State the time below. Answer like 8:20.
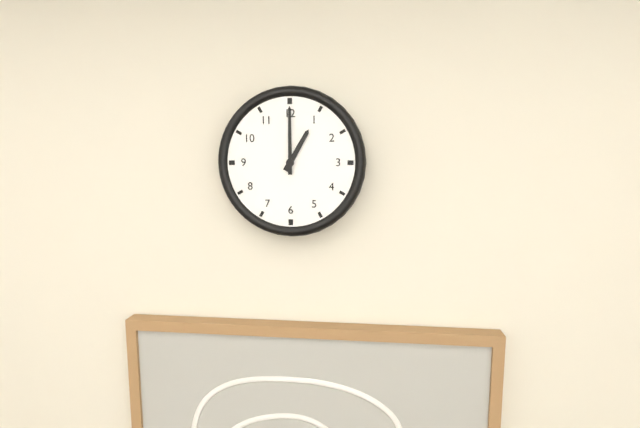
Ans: 1:00
